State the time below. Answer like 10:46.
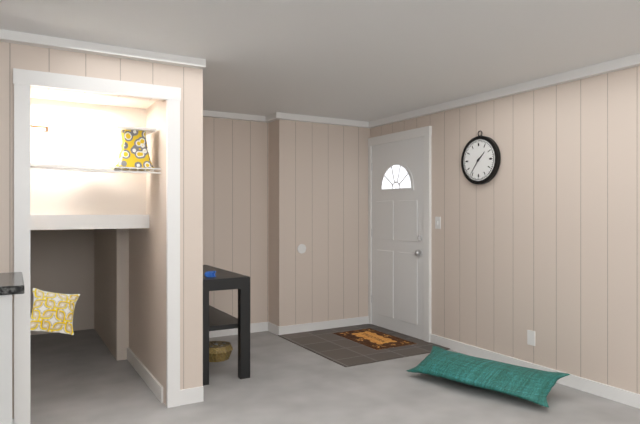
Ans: 1:36
